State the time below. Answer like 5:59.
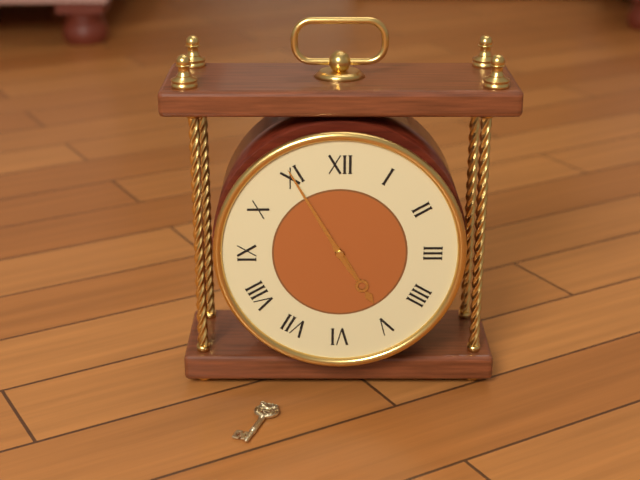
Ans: 4:55
